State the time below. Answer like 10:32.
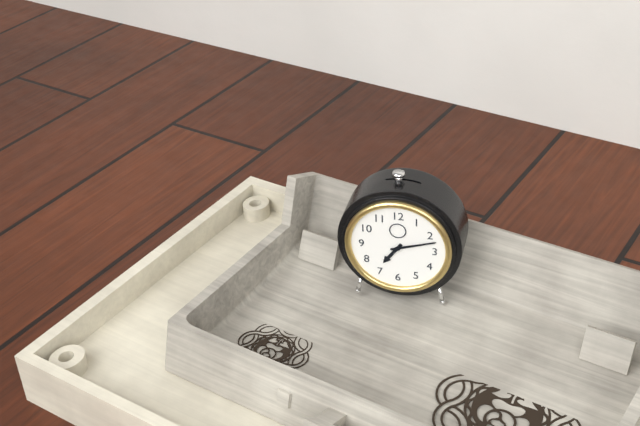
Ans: 7:12
